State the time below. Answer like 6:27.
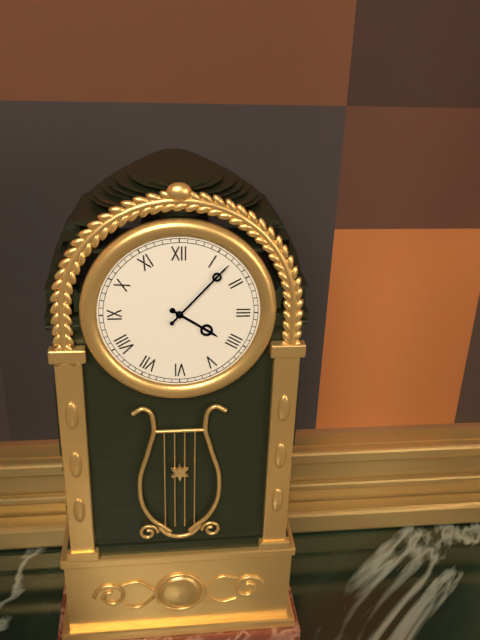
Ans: 4:07
